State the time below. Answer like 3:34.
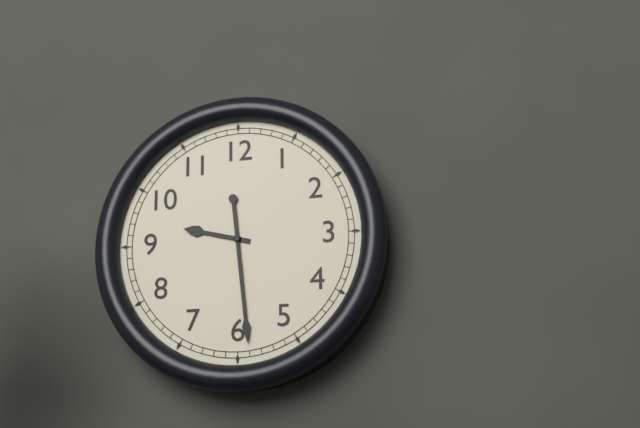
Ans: 9:29
